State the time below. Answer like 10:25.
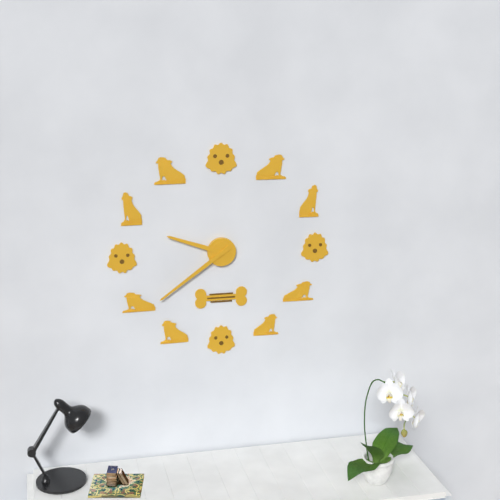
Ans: 9:39
